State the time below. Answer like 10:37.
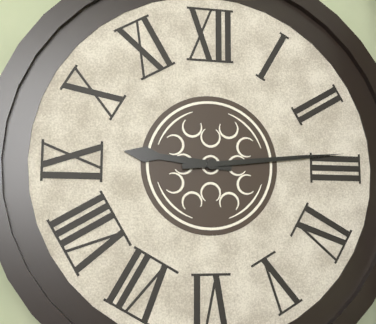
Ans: 9:14
